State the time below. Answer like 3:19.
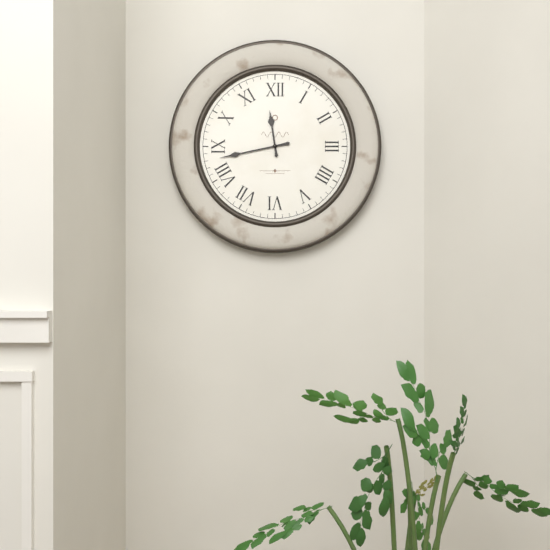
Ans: 11:43
